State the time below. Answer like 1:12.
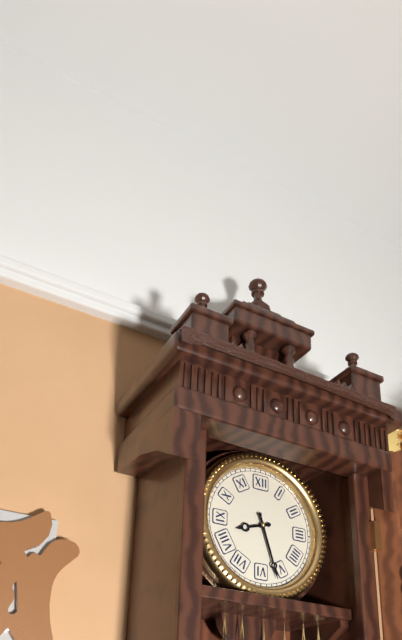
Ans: 8:27
